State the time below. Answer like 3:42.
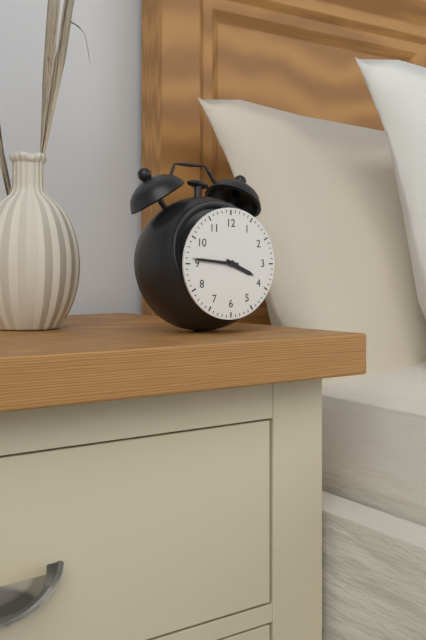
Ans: 3:46
